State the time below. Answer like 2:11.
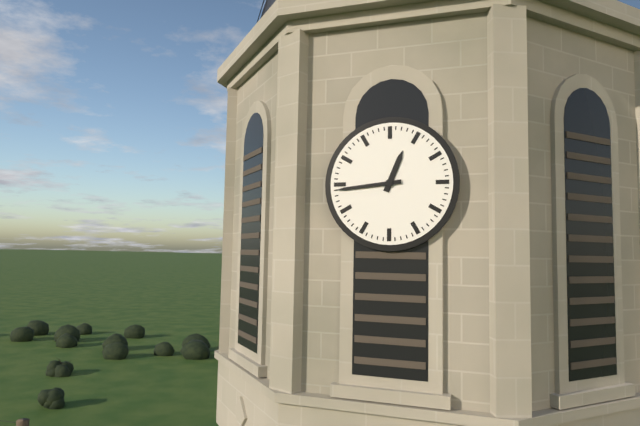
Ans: 12:44
